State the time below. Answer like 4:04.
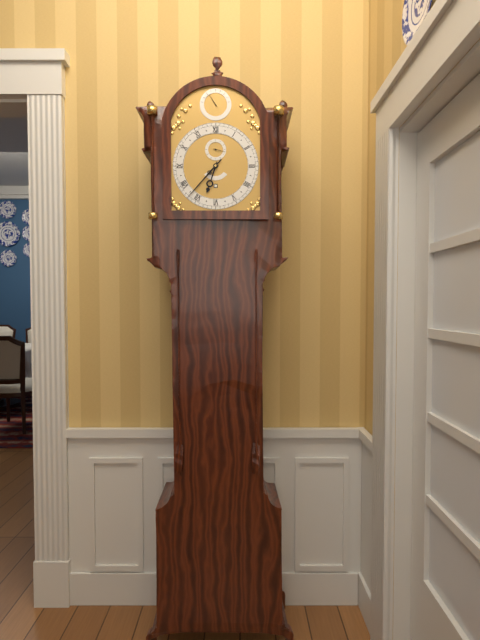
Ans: 6:37
